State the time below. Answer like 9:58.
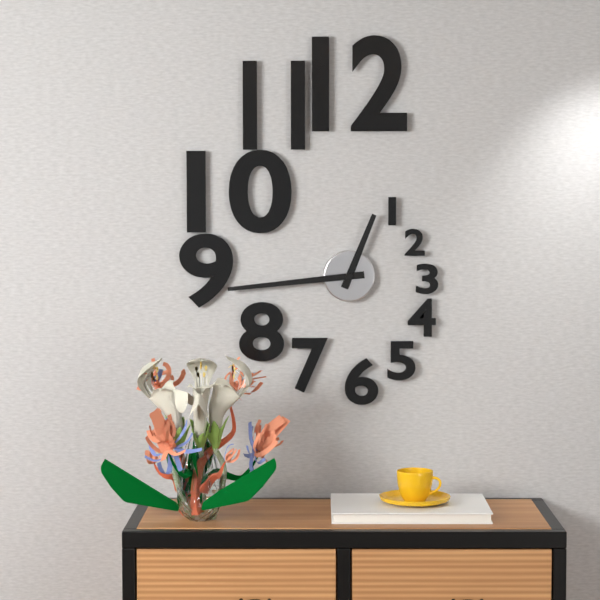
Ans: 12:44
